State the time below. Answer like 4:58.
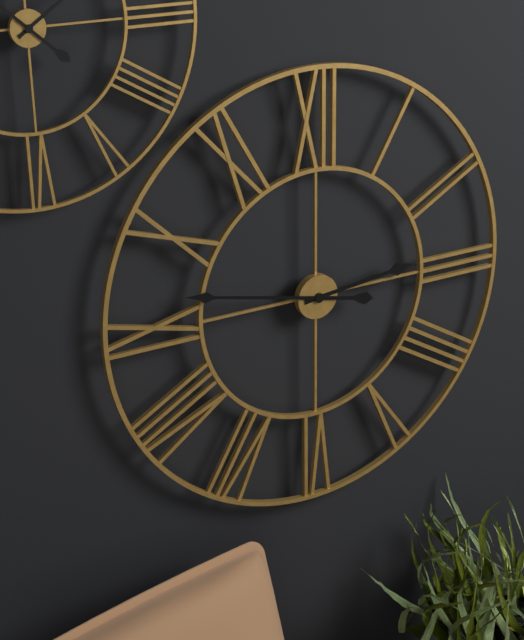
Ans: 2:47
